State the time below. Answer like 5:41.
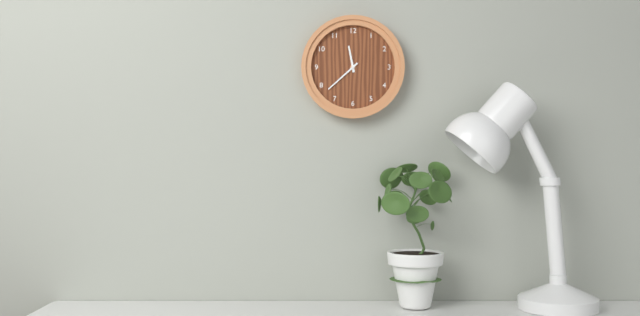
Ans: 11:38
